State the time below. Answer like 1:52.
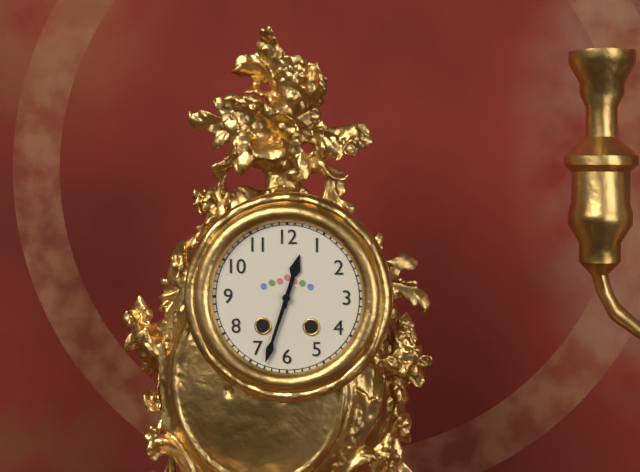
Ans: 12:33
